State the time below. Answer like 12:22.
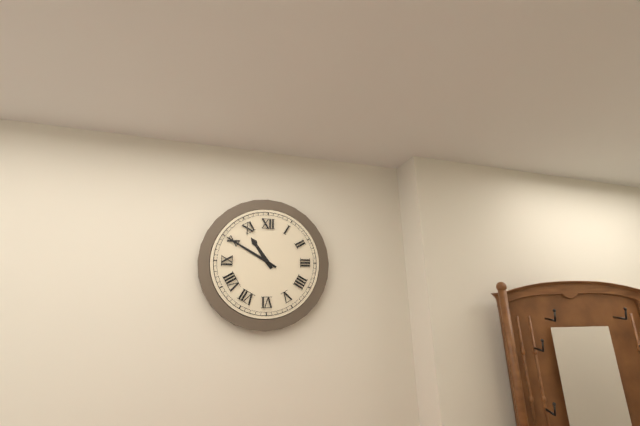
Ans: 10:50
